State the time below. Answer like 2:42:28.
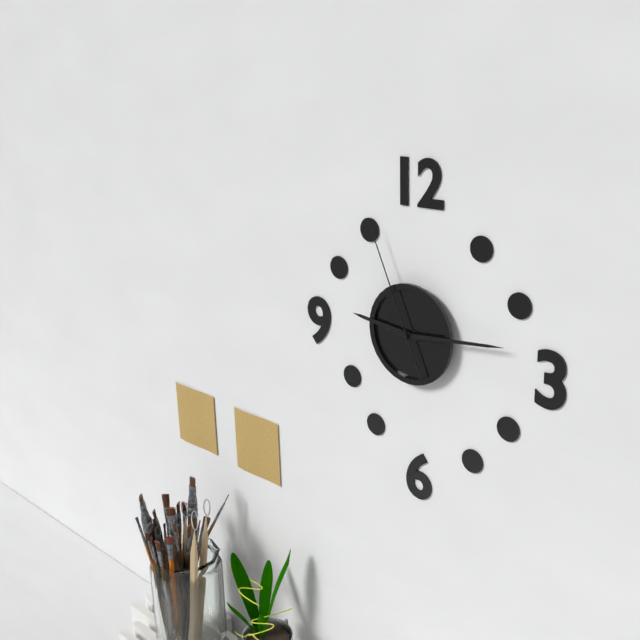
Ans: 9:14:56
